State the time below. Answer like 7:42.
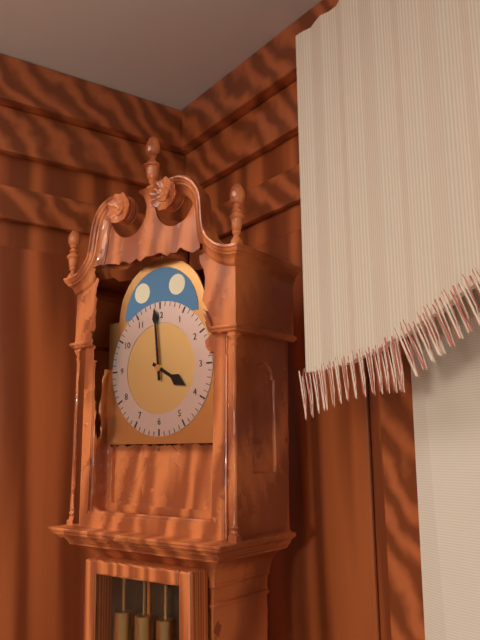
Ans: 3:59
